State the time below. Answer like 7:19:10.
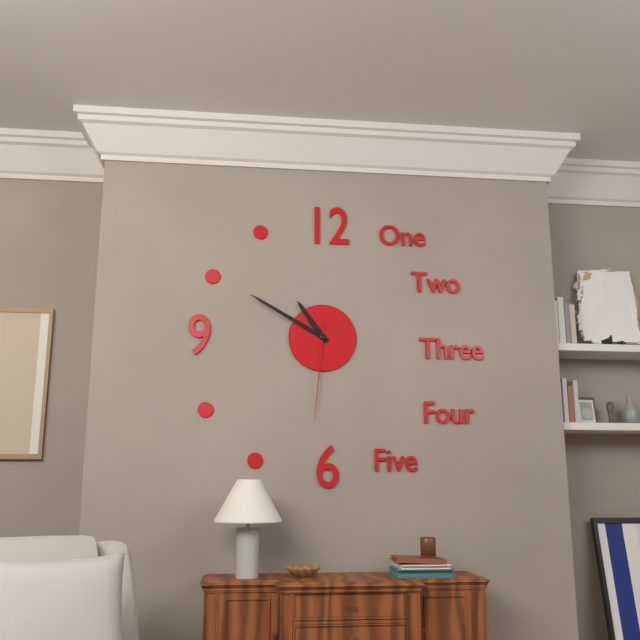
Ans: 10:50:31
